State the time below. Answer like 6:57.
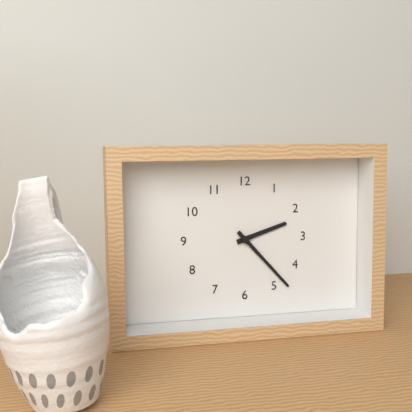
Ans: 2:23
